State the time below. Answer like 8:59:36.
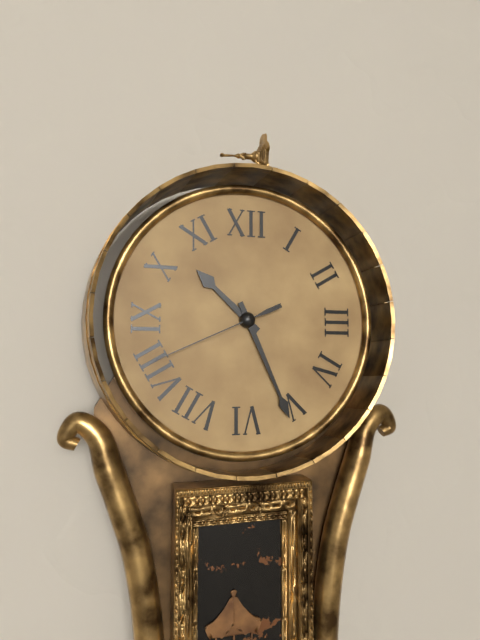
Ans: 10:26:41
